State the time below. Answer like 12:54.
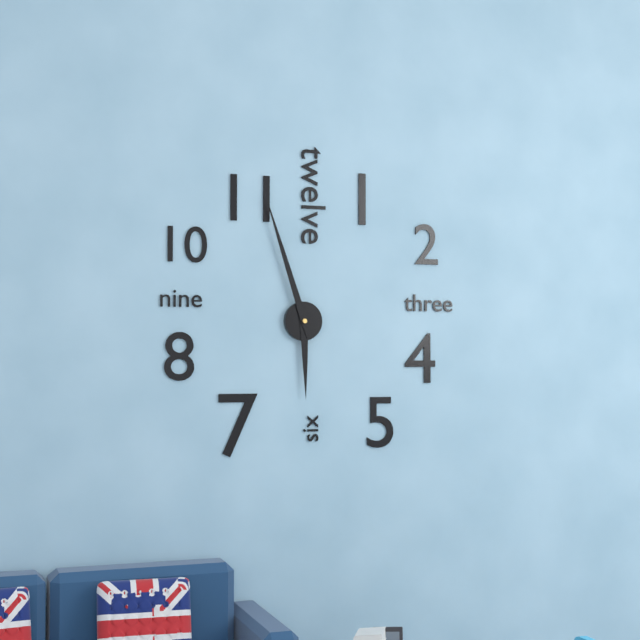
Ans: 5:57
